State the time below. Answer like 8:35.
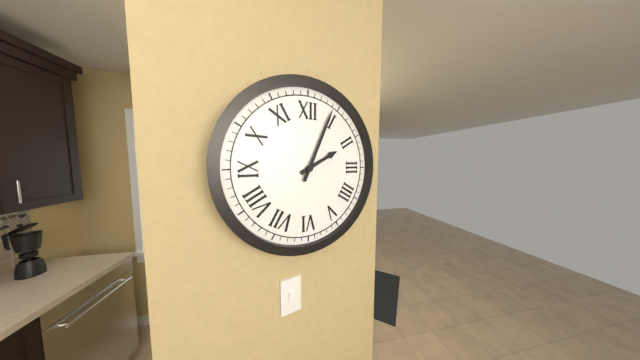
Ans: 2:04
